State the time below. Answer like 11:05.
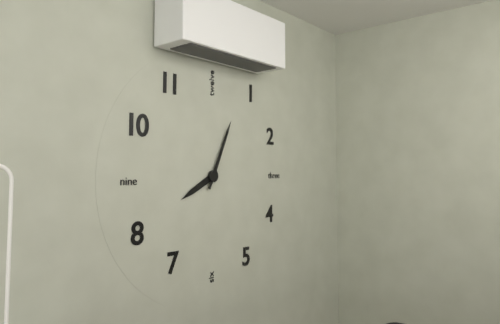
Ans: 8:04
